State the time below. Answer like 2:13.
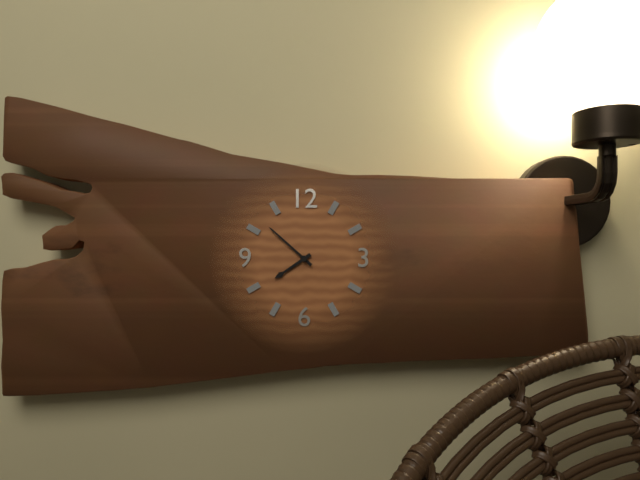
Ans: 7:52
